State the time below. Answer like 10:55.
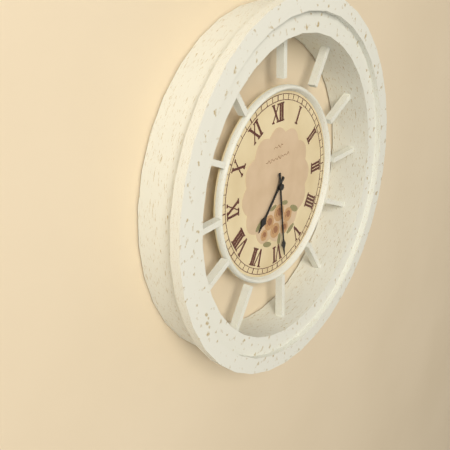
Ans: 7:29
